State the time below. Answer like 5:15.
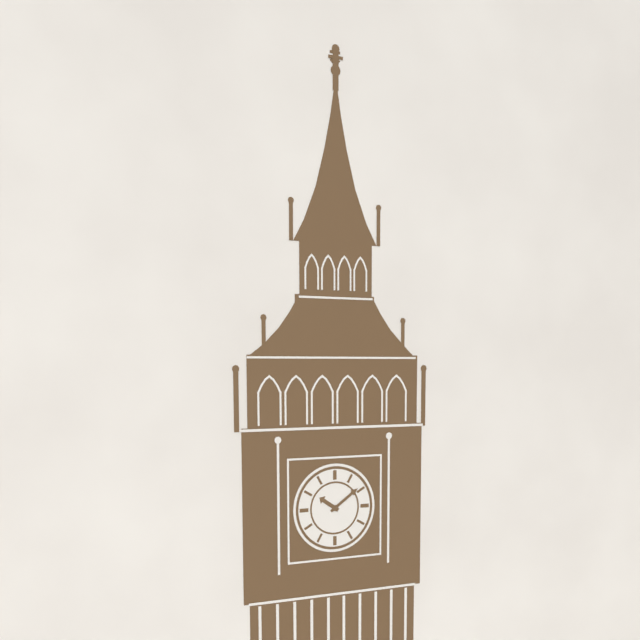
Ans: 10:09
